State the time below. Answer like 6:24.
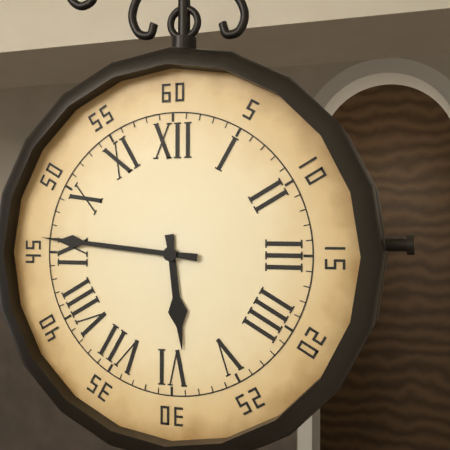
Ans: 5:46
